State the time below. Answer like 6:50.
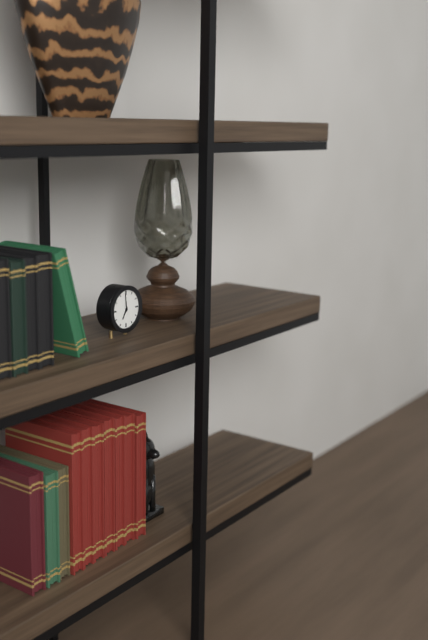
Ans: 6:59
